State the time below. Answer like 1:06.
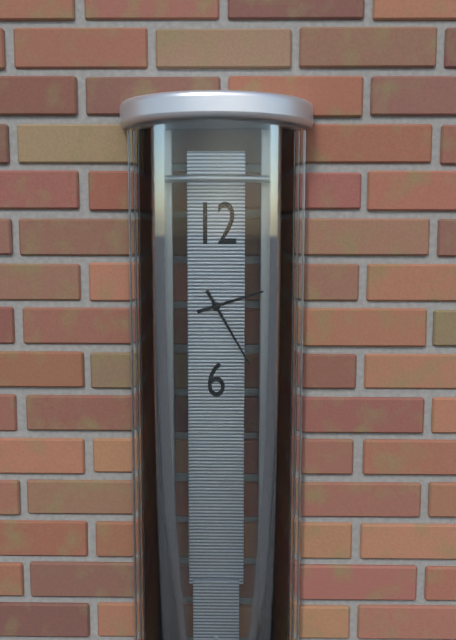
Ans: 2:25
